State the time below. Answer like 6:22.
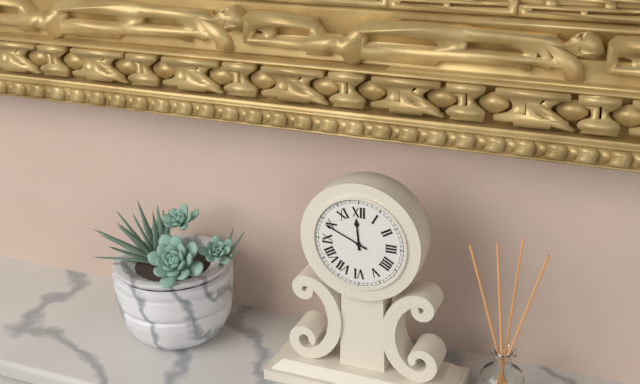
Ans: 11:49
